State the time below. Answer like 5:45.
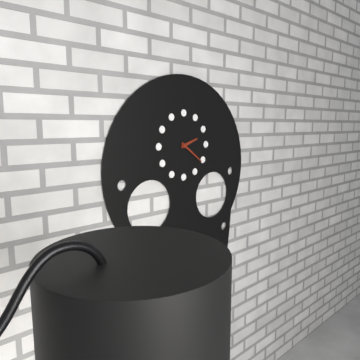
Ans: 2:21
